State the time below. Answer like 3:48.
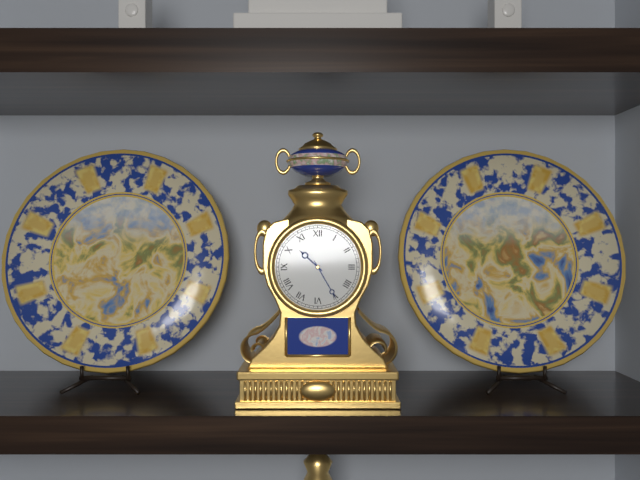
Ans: 10:25
